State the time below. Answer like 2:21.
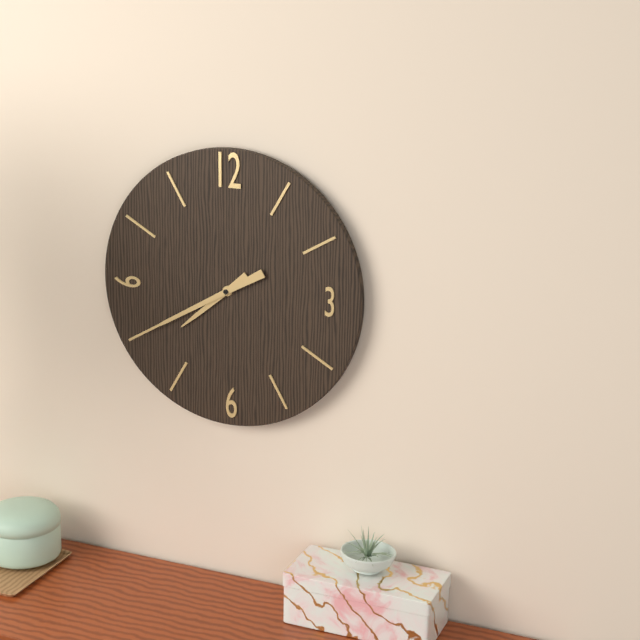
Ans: 7:40
